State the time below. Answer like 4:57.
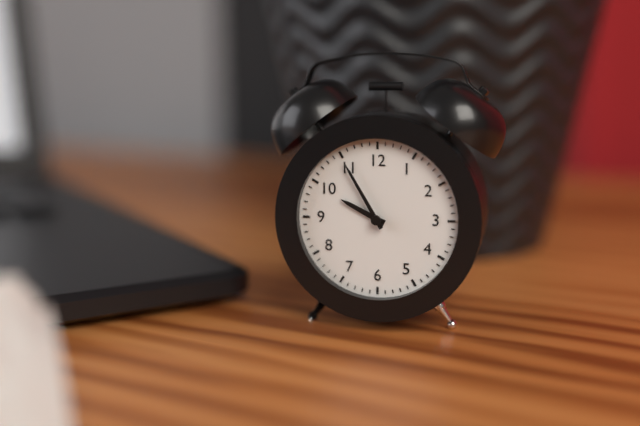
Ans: 9:55
